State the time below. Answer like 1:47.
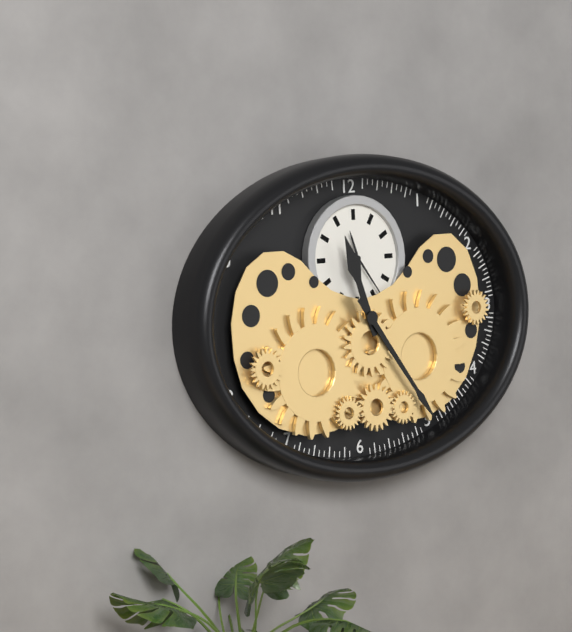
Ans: 11:24
